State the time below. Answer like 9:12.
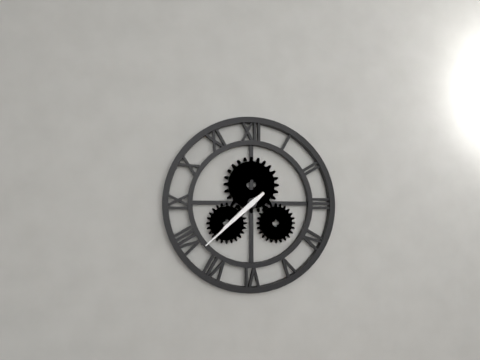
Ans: 7:38
